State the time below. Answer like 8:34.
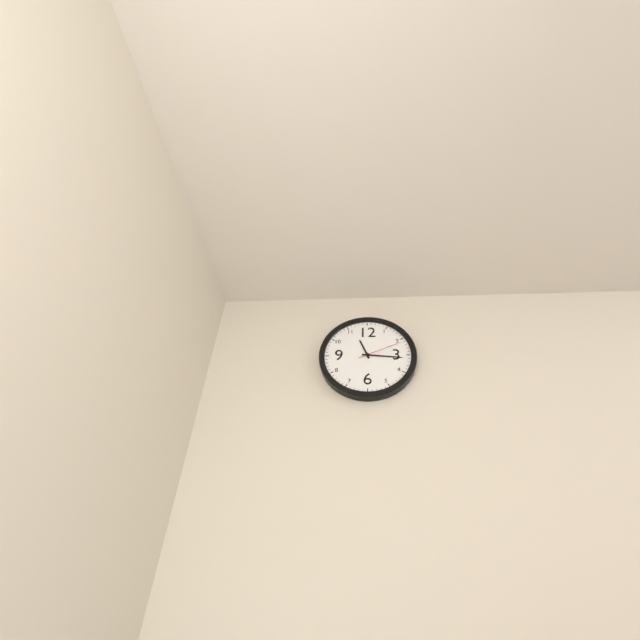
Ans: 11:16
